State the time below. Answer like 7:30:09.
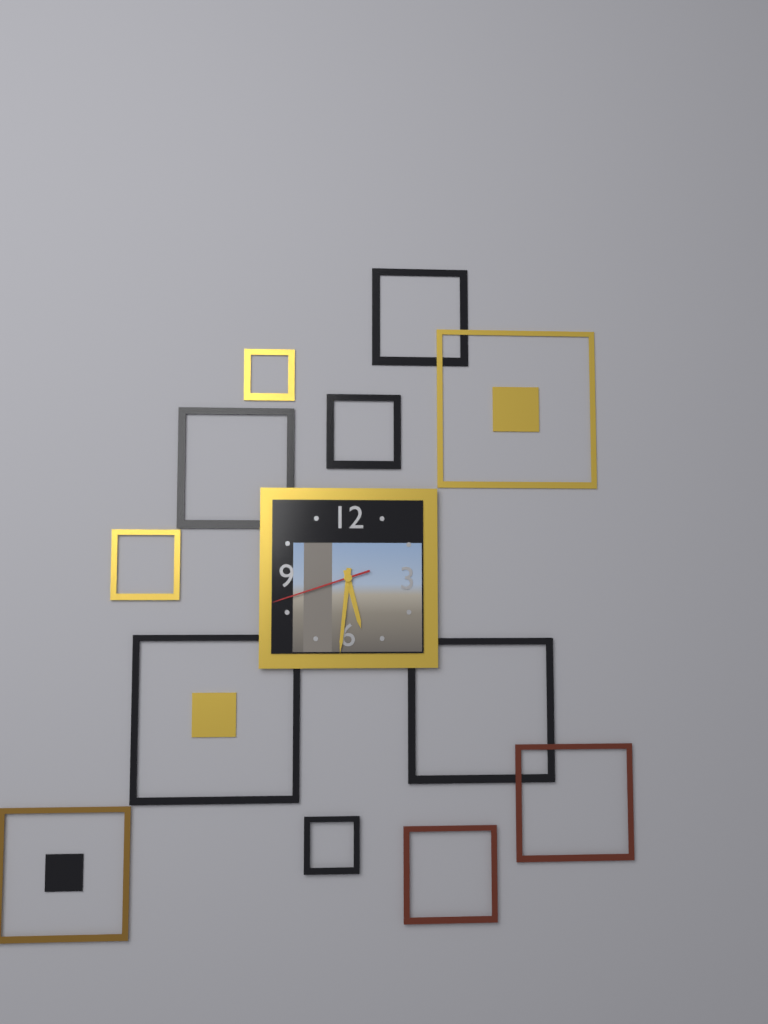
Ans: 5:31:42
